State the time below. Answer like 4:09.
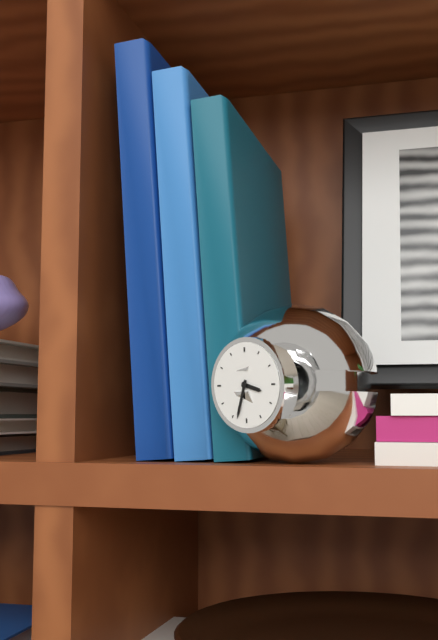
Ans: 3:33
